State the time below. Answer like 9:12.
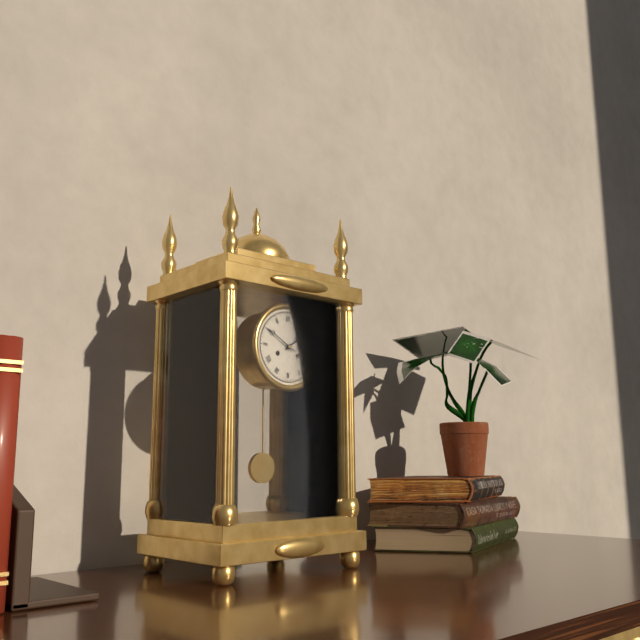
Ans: 1:50
